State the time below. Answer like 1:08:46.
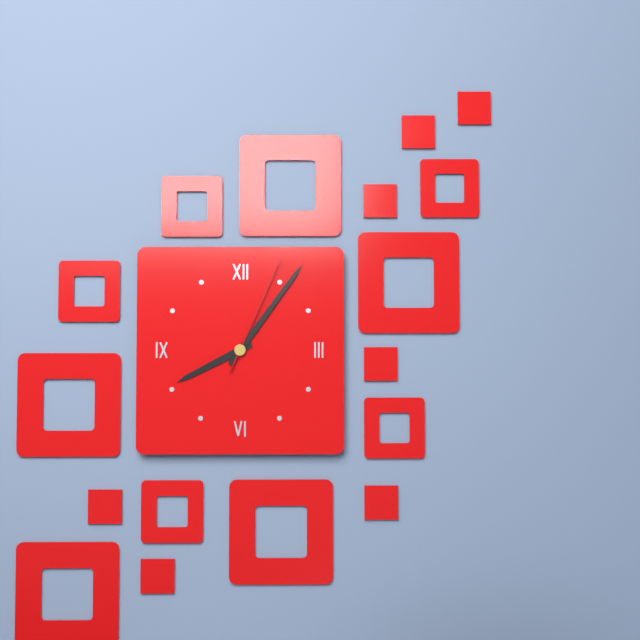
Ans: 8:06:04
